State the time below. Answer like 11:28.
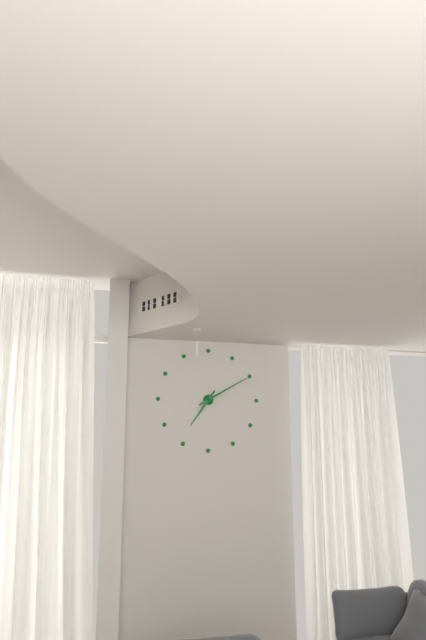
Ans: 7:10
